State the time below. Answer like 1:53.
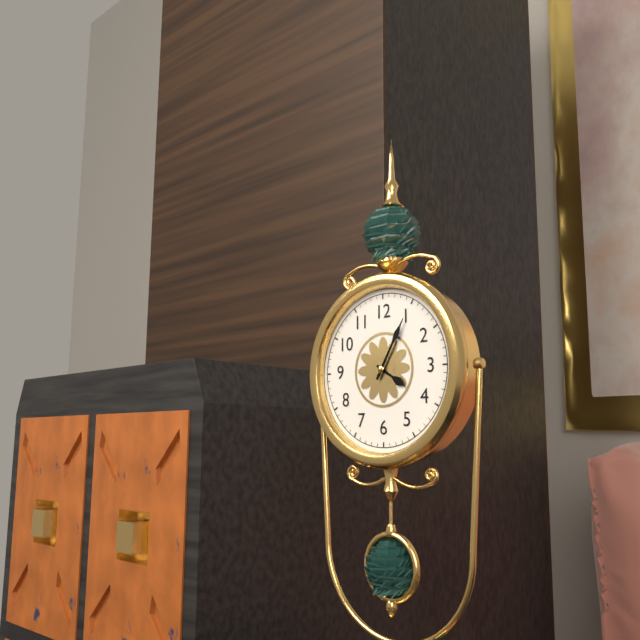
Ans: 4:05
